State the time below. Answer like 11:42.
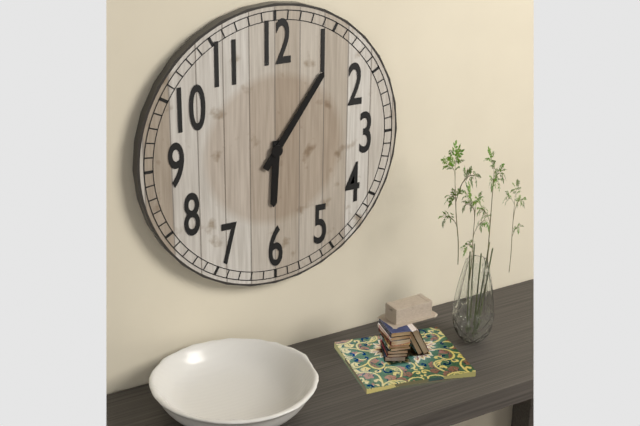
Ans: 6:06
